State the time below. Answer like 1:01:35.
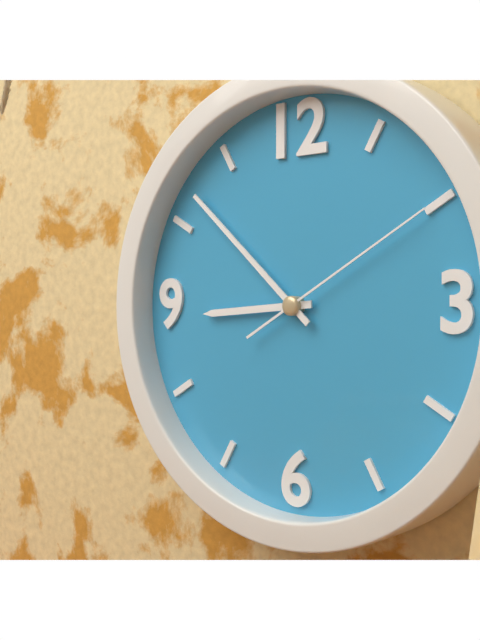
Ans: 8:52:10
